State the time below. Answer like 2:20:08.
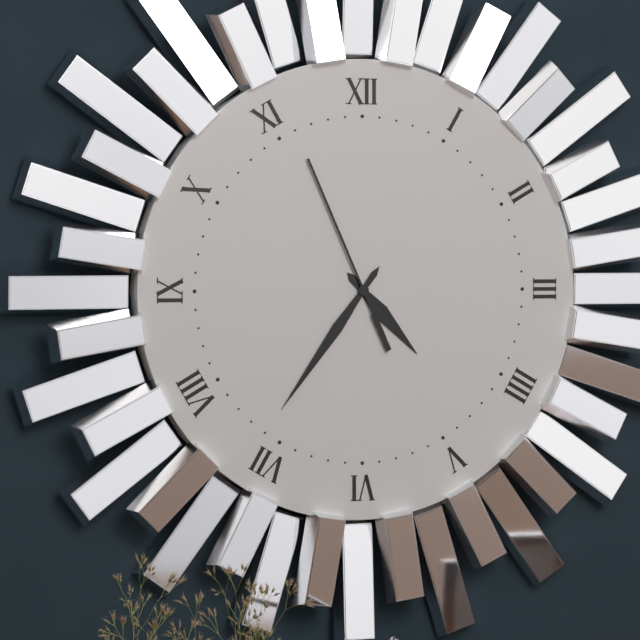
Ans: 4:36:56
